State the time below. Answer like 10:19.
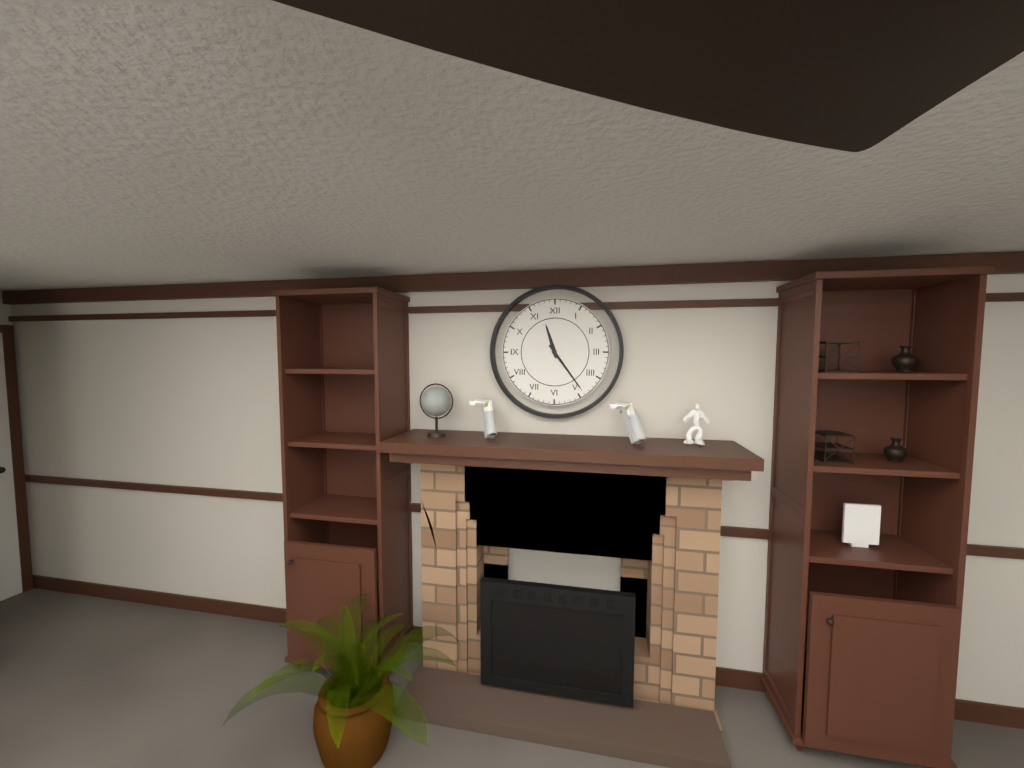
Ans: 11:24
